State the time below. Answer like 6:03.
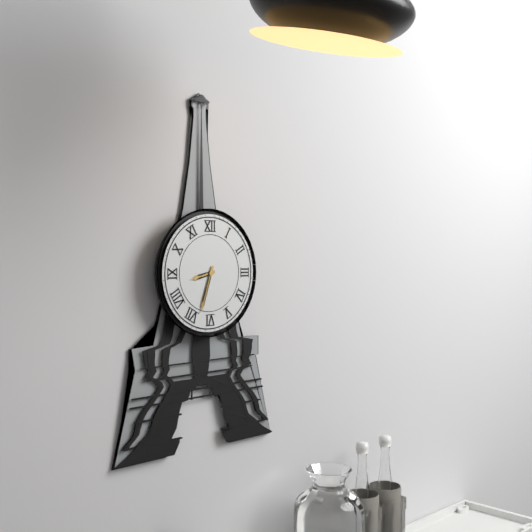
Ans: 8:33
